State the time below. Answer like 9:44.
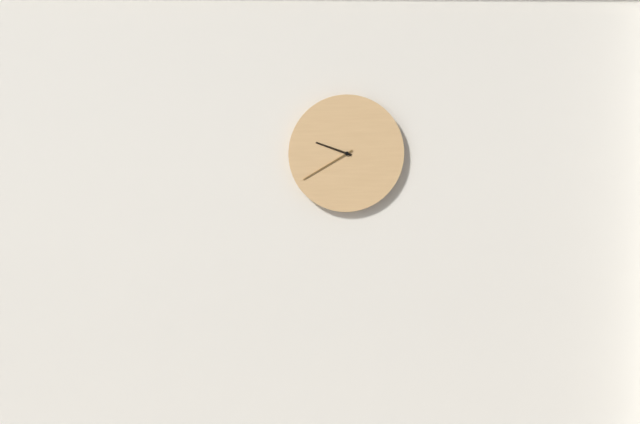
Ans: 9:40
